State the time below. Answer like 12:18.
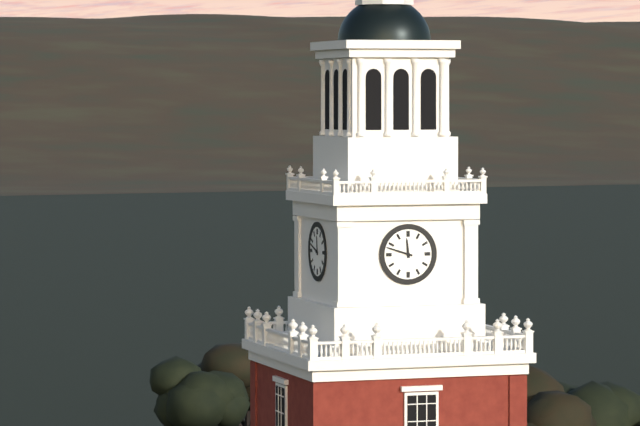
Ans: 11:48
